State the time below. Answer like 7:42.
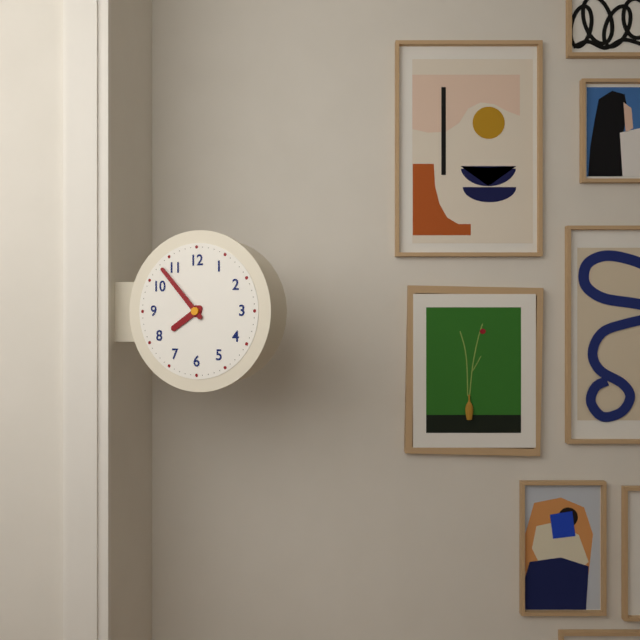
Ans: 7:53
